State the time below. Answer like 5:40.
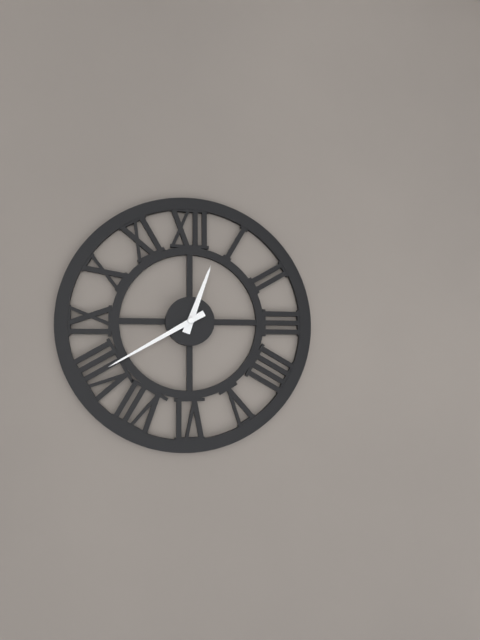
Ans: 12:40
